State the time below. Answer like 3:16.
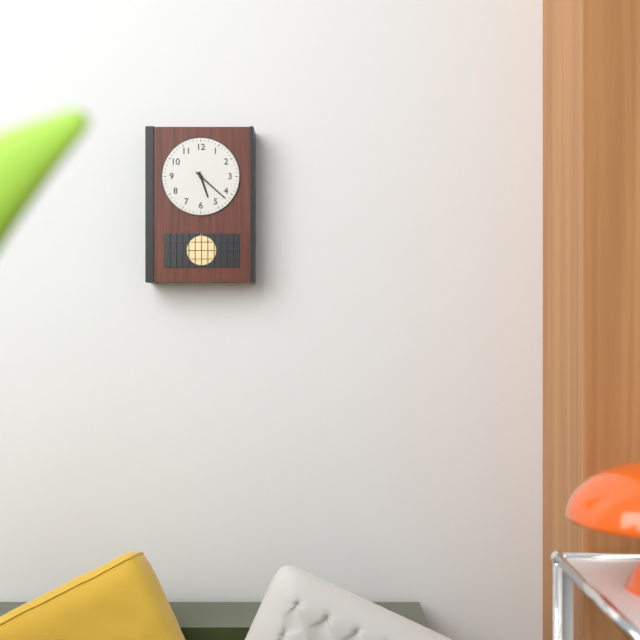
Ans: 5:22
